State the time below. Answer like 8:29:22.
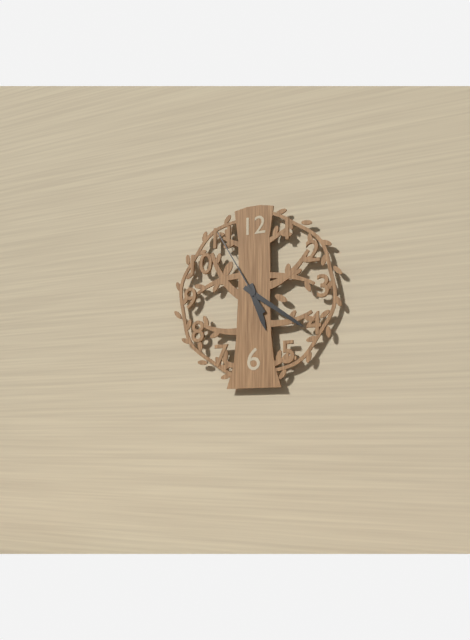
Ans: 5:21:55
